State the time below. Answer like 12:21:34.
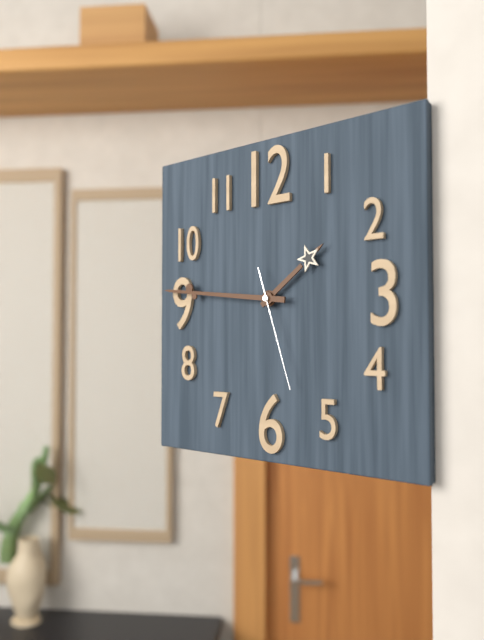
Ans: 1:46:27
